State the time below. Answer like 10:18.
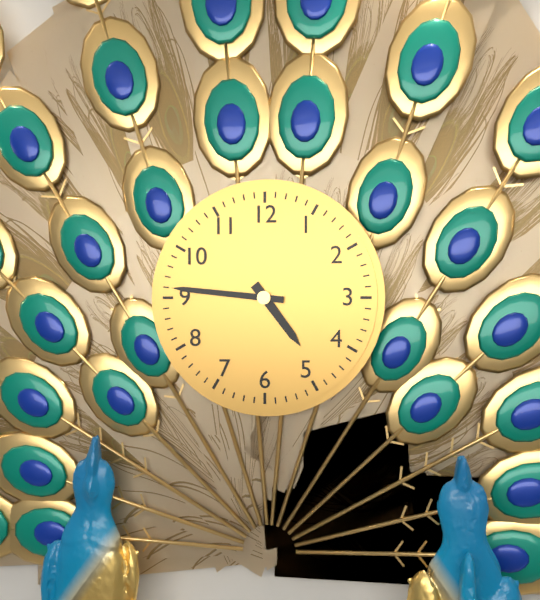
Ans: 4:46
